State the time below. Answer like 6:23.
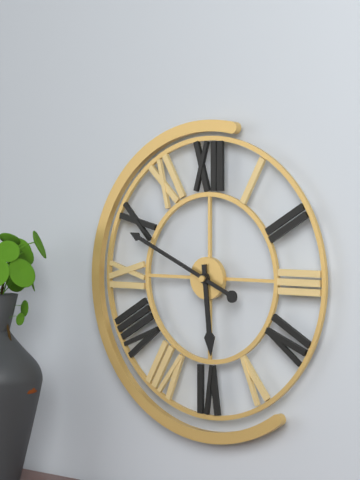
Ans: 5:49
